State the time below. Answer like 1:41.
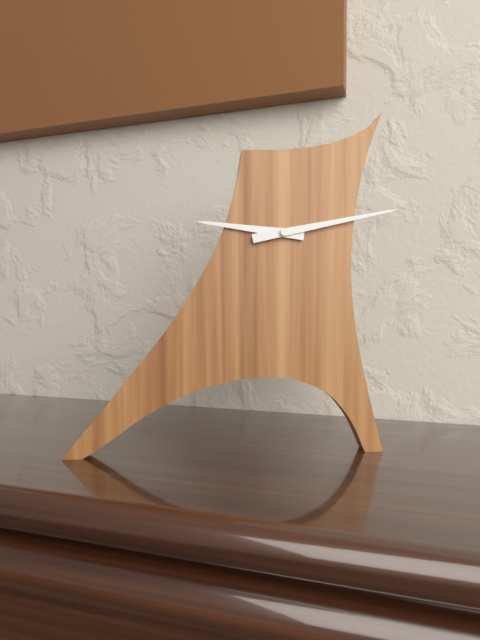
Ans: 9:13
